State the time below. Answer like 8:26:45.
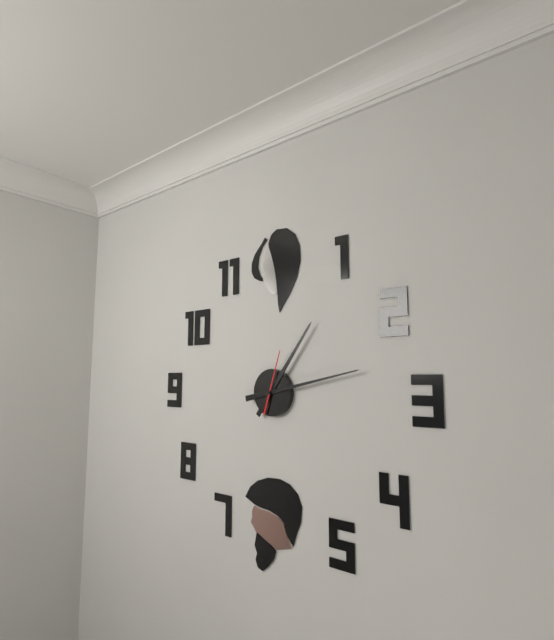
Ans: 1:13:03
